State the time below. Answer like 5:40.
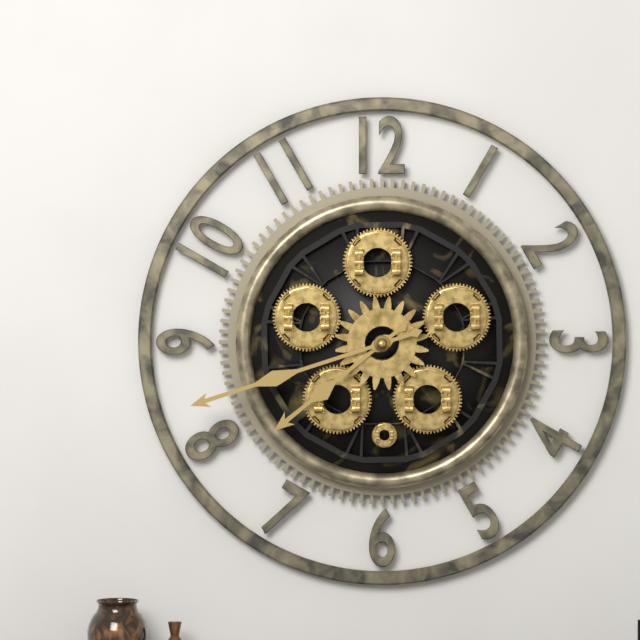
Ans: 7:42
